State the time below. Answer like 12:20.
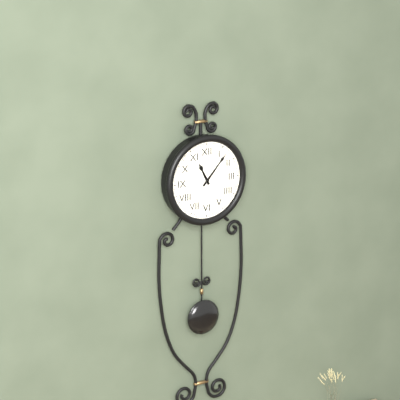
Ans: 11:07
